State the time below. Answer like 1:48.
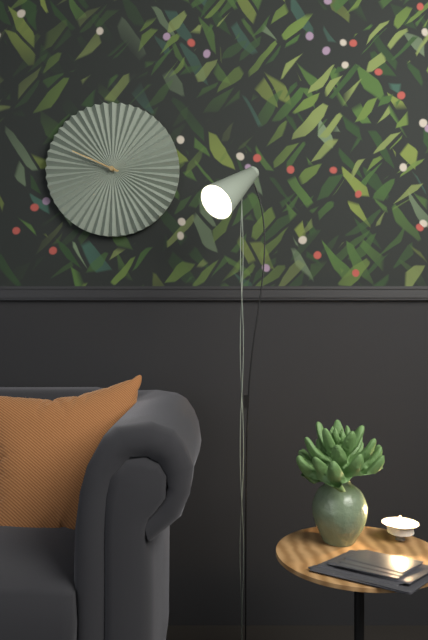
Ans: 9:49
